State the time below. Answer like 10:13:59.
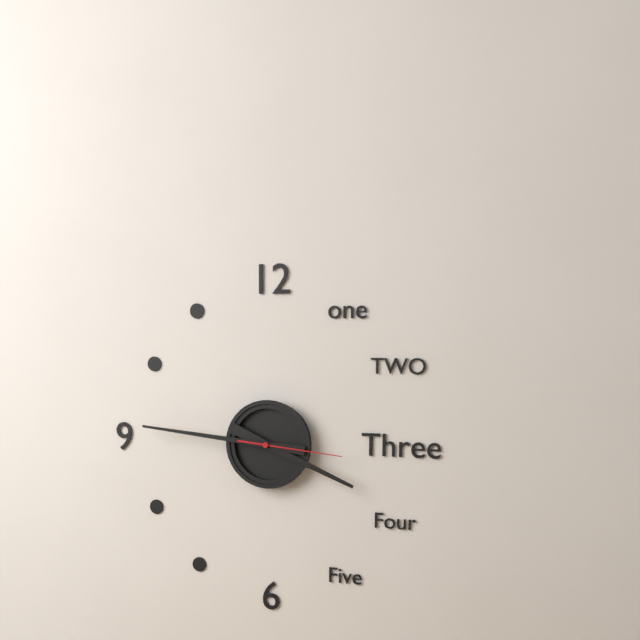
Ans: 3:46:16
